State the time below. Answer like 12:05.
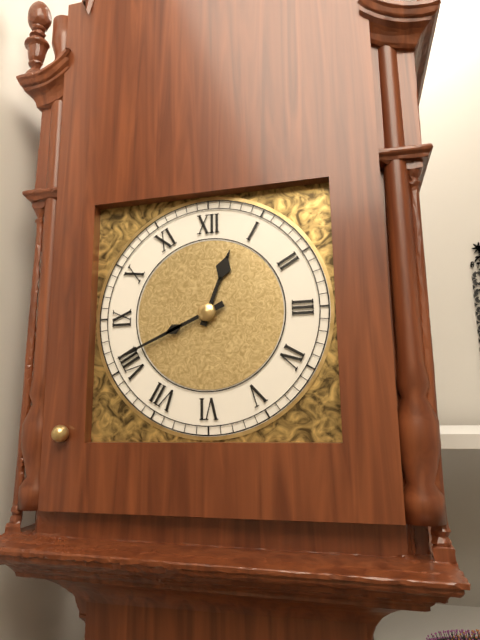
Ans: 12:41
